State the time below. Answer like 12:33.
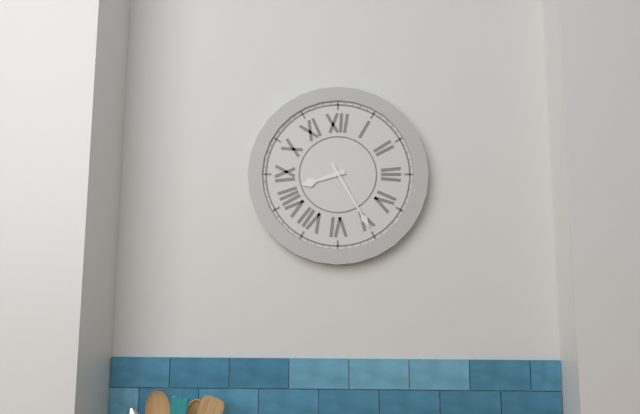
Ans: 8:25
